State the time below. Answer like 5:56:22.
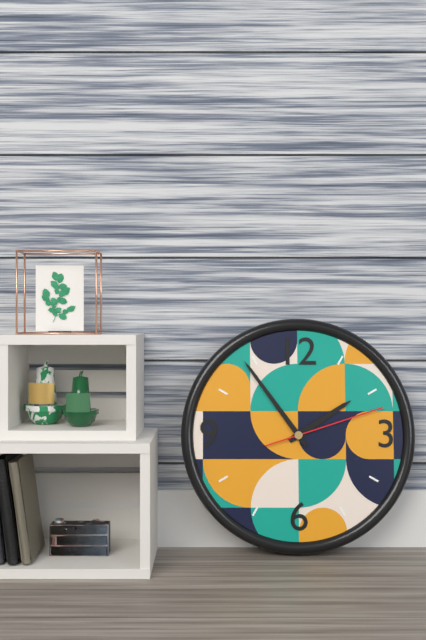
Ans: 1:54:12
